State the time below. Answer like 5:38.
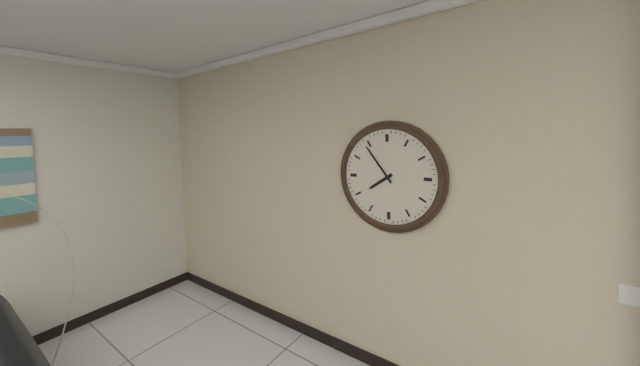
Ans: 7:54
